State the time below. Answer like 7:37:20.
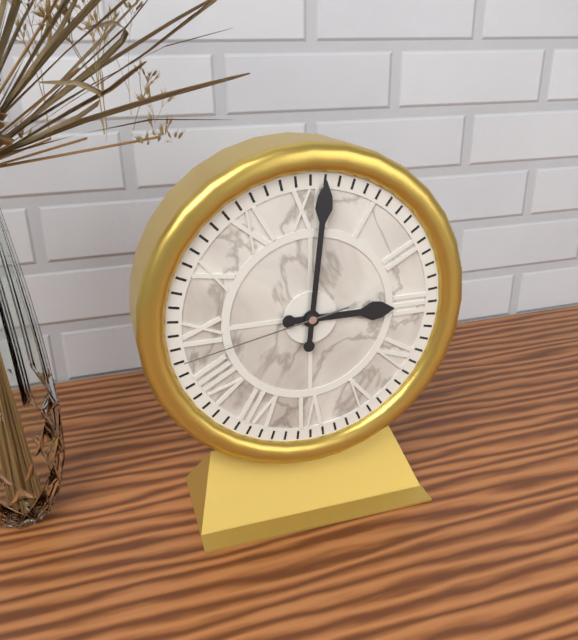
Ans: 3:01:43
